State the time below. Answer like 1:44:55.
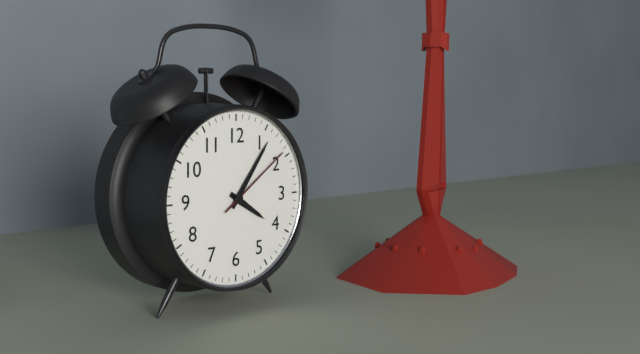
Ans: 4:06:09
